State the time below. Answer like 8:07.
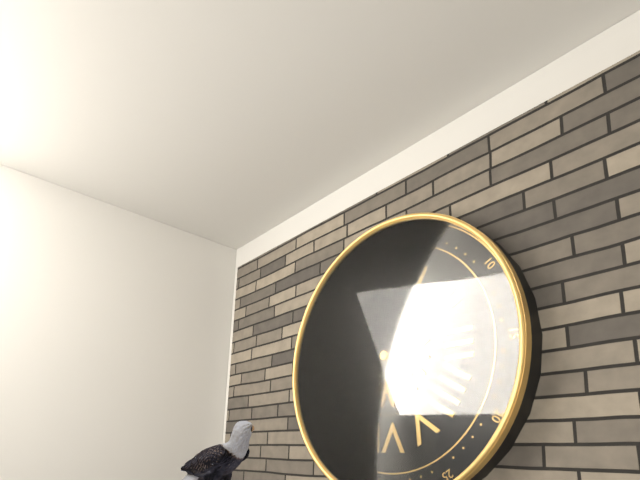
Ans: 8:03
